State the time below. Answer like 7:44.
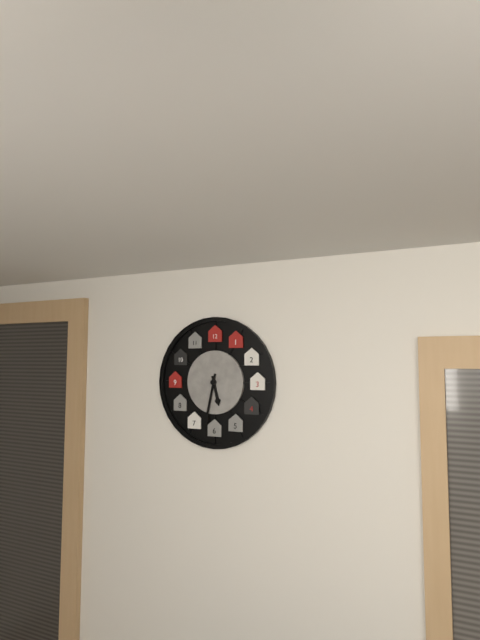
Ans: 5:32
